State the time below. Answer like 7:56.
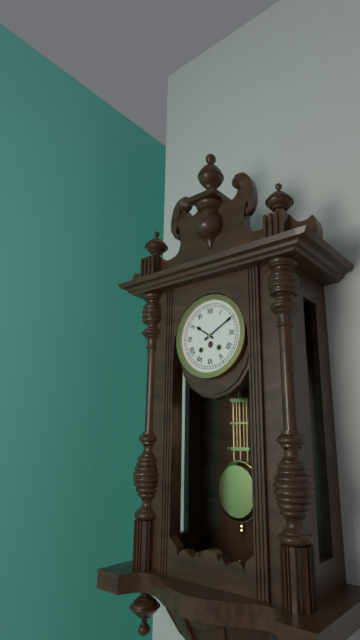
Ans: 10:10
